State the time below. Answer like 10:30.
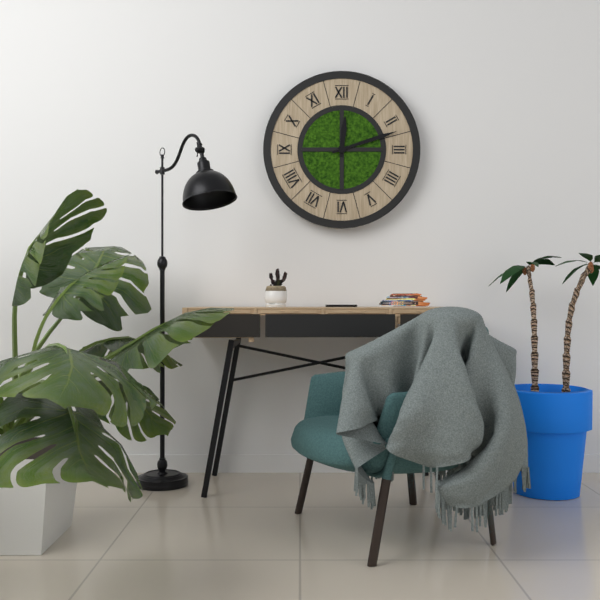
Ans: 12:12
